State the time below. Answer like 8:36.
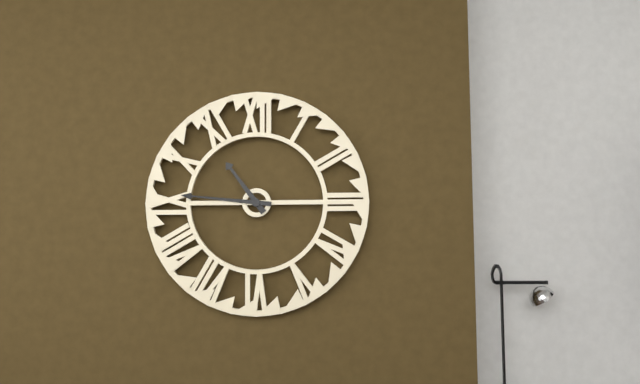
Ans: 10:46
